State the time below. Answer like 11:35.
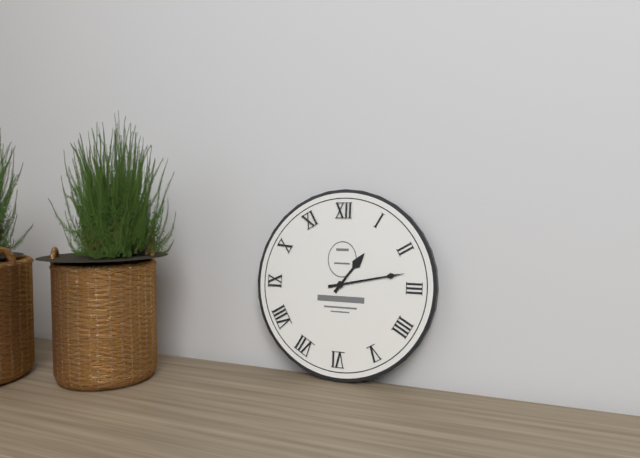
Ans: 1:13
